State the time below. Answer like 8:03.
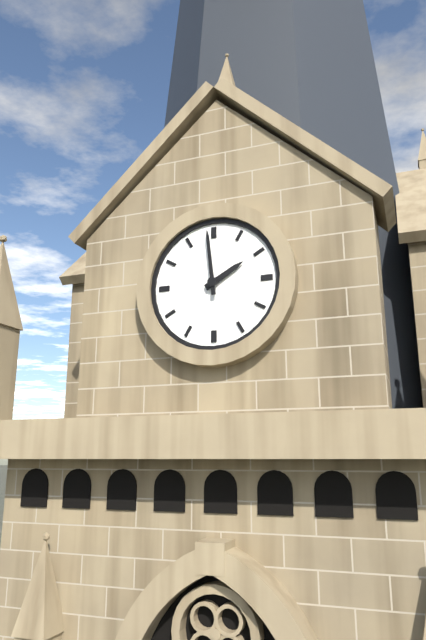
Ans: 1:59
